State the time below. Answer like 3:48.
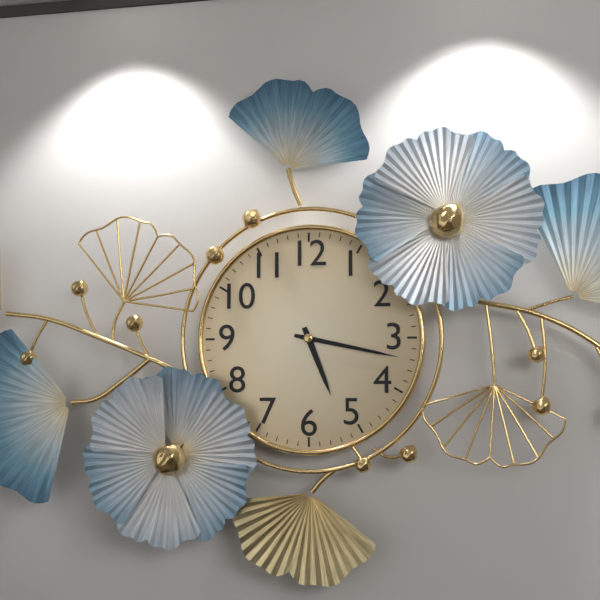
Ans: 5:17
